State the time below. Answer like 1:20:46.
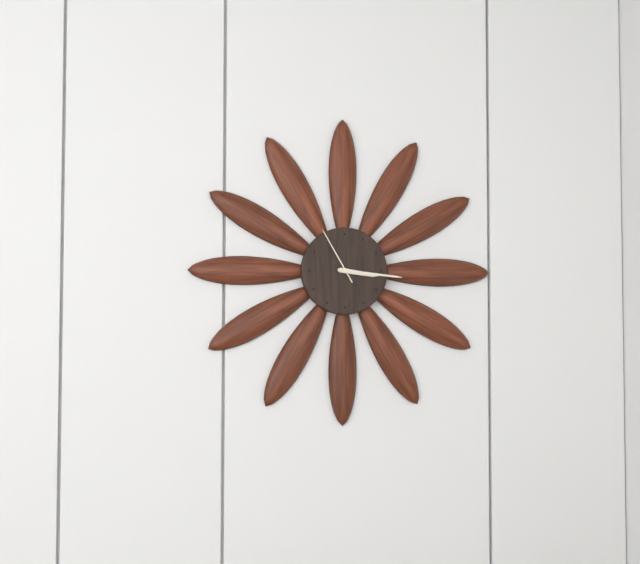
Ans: 3:16:55
